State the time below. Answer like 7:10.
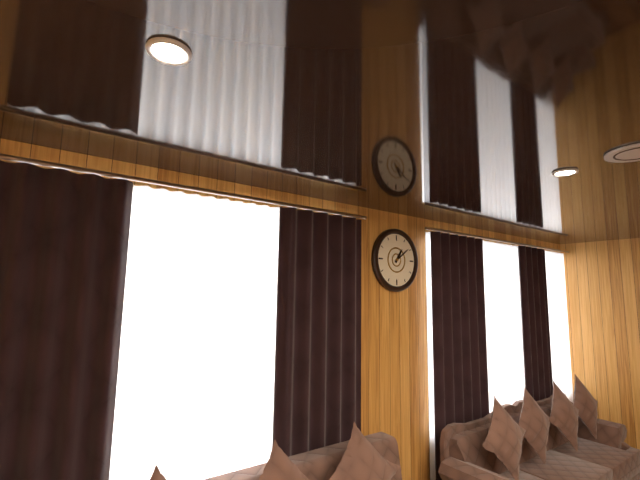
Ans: 1:09
